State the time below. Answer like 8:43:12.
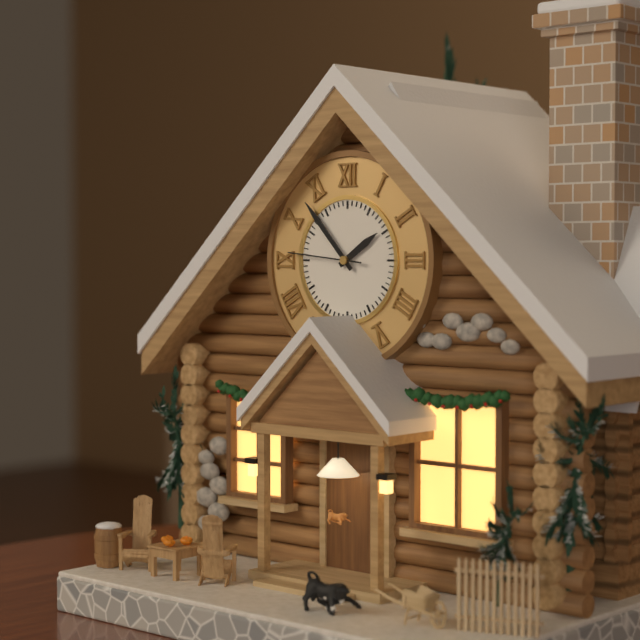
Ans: 1:53:46
